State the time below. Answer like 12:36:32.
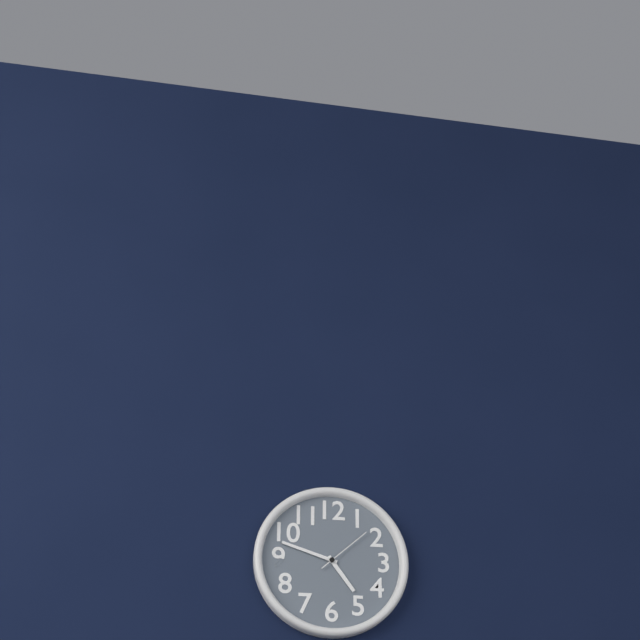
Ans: 4:48:08
